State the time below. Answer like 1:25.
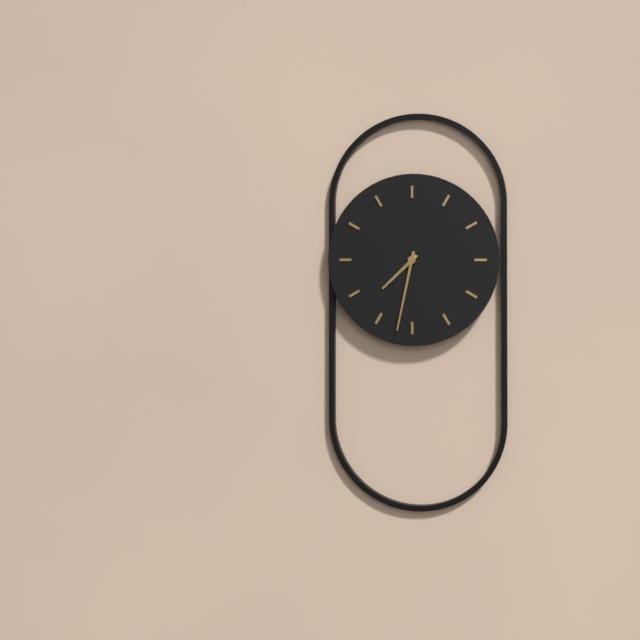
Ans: 7:32
